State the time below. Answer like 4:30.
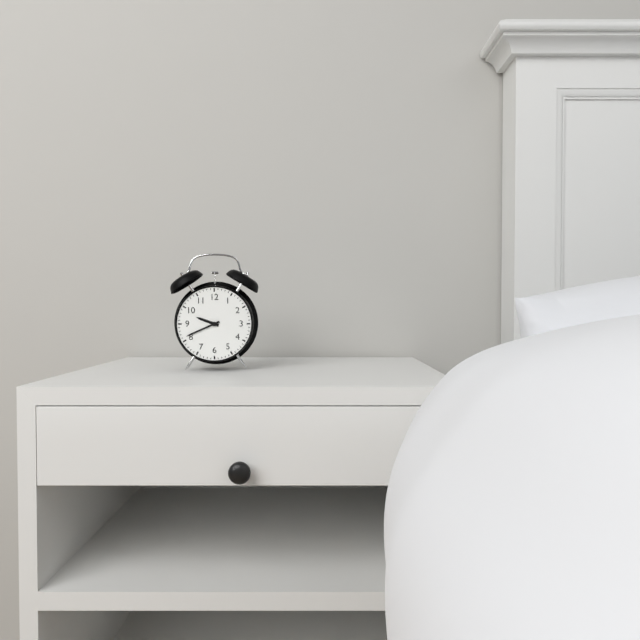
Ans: 9:41
